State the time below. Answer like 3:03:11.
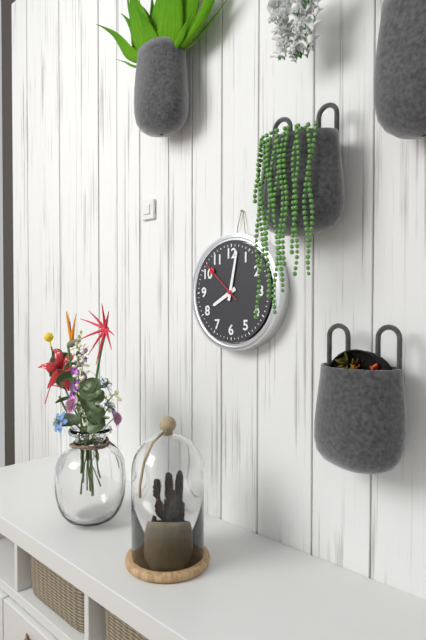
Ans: 8:02:52
